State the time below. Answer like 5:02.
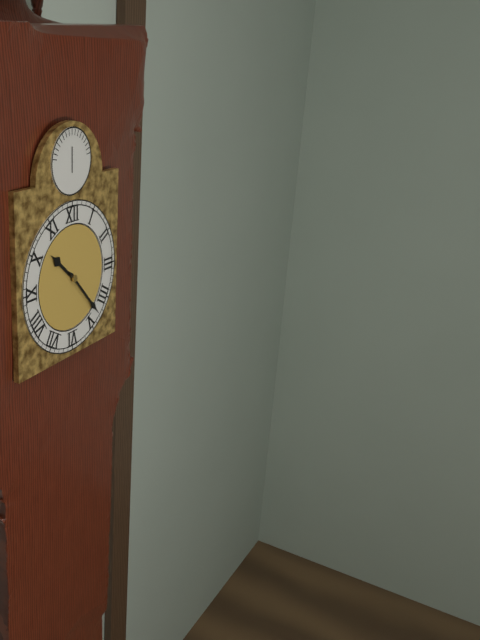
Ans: 10:23
